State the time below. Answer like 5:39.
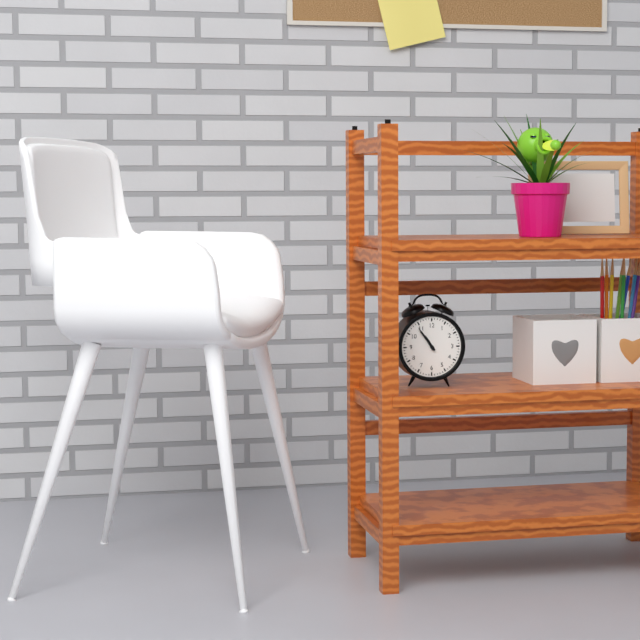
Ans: 10:54
